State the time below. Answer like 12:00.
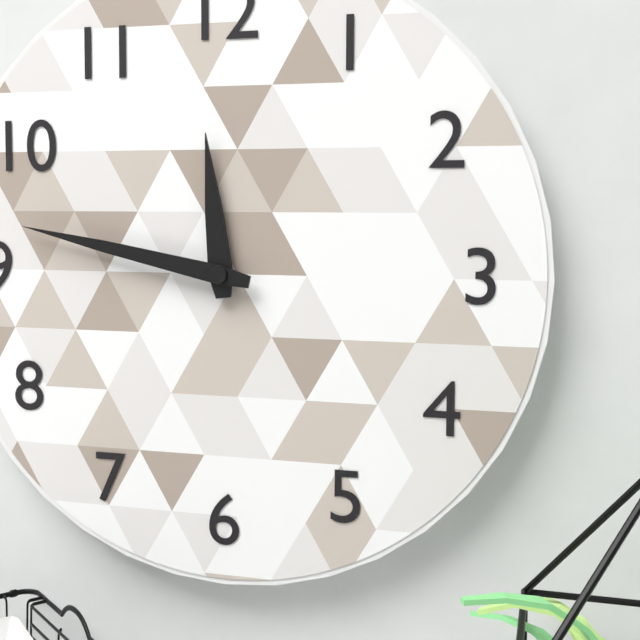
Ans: 11:47
